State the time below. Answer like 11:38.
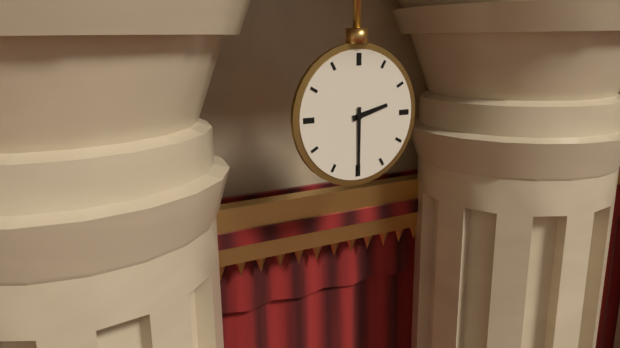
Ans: 2:30
